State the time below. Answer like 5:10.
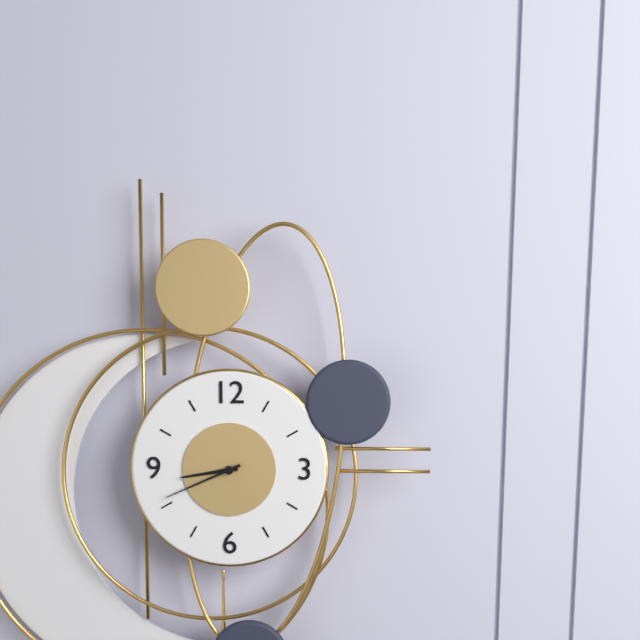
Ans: 8:41
